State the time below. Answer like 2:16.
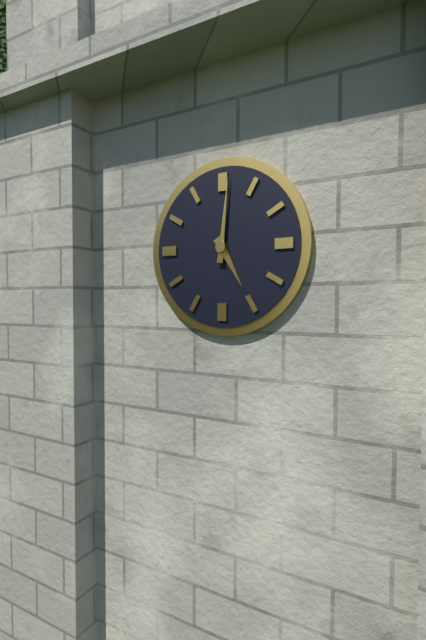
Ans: 5:01
